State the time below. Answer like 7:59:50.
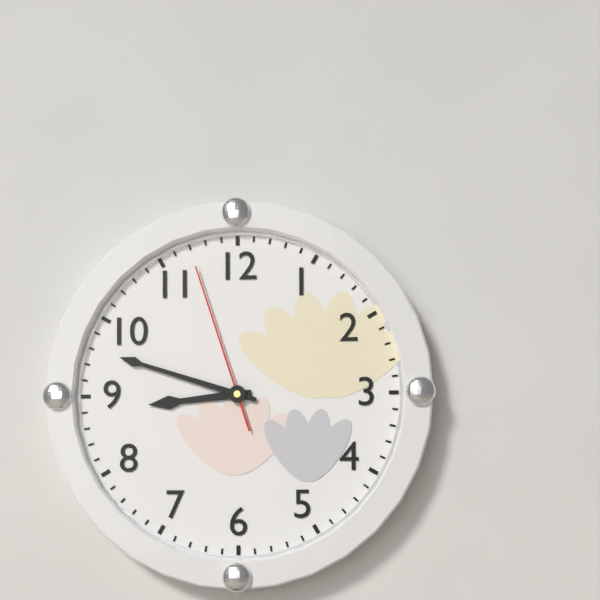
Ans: 8:48:57
